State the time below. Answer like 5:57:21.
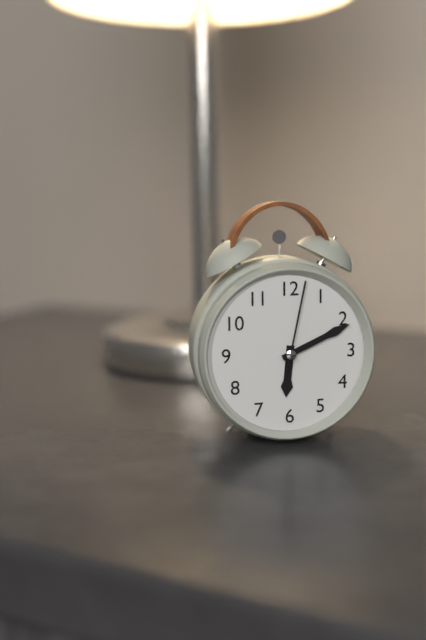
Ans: 6:11:02
